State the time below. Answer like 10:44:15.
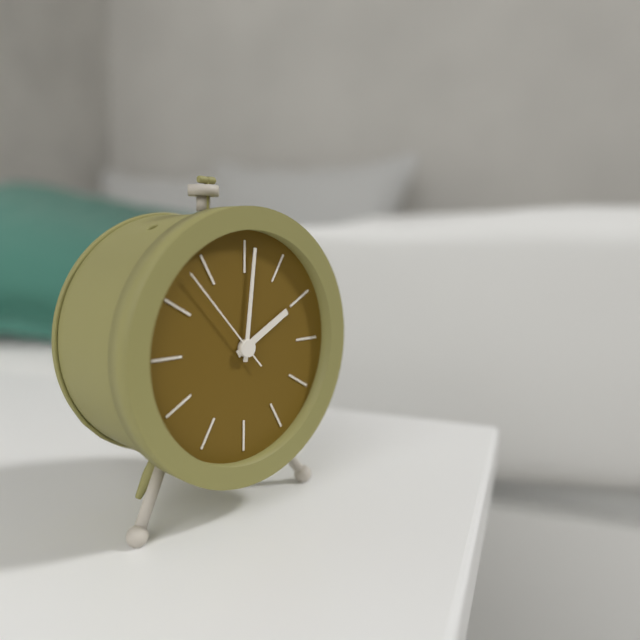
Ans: 2:01:53
